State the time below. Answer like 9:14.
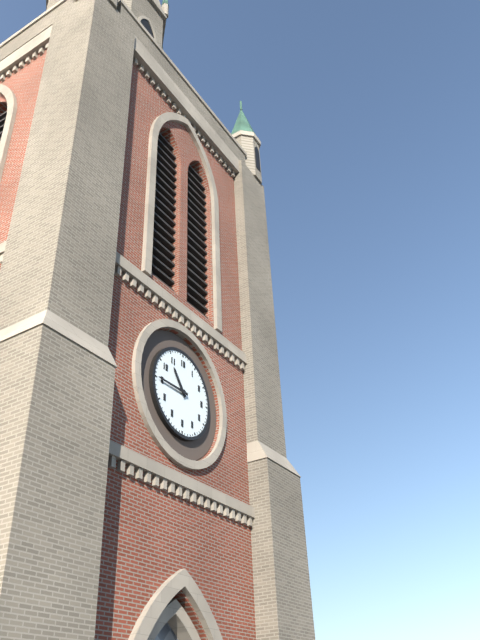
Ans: 10:45
